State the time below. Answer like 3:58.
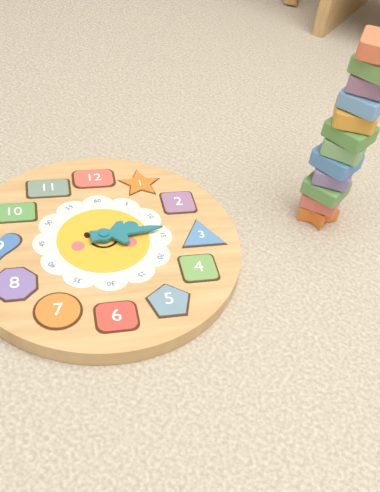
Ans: 2:14
